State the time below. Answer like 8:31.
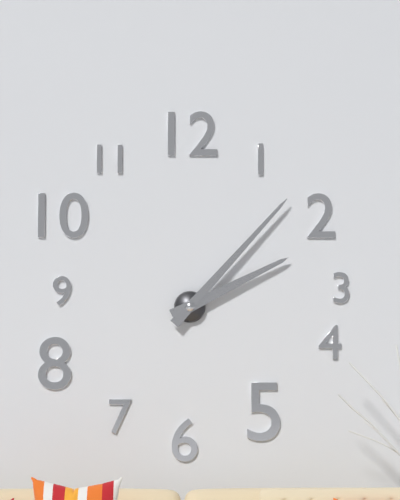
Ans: 2:07
